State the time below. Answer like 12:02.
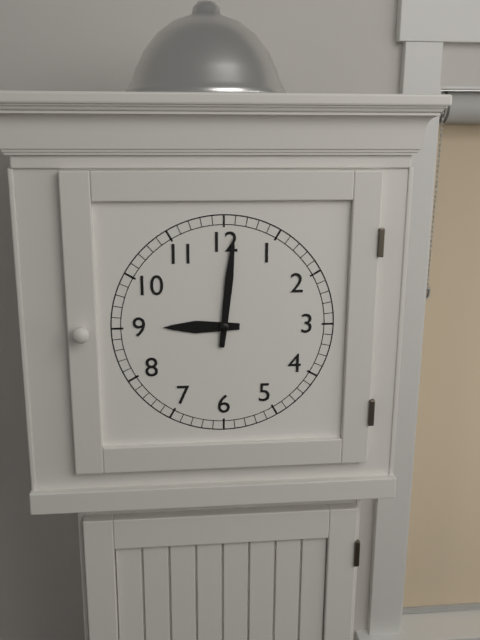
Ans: 9:01
